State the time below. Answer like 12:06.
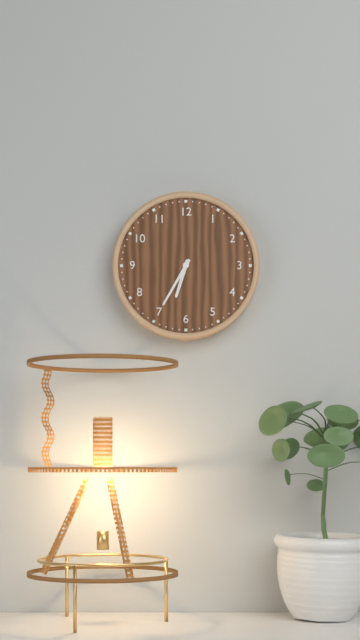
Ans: 6:35
